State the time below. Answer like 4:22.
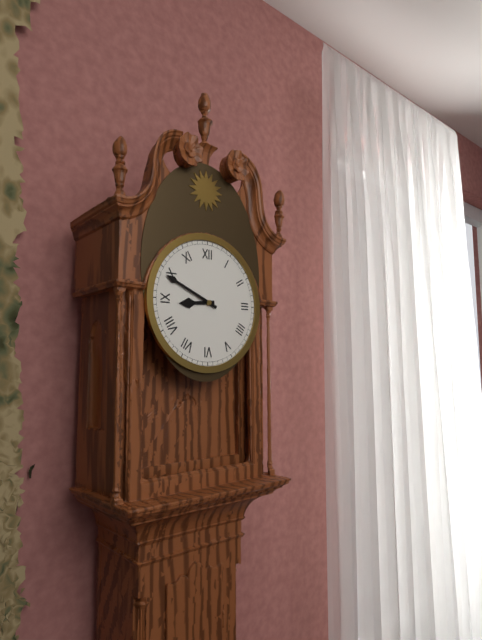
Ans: 8:49
